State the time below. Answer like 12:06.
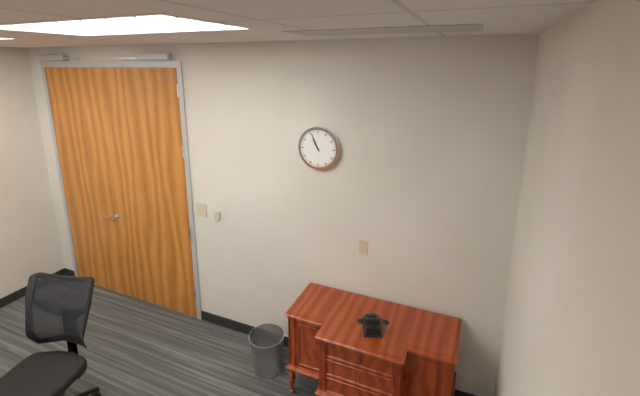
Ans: 10:56
